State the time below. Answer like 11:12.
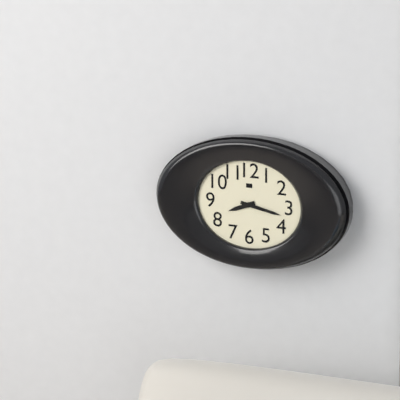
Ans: 8:17
